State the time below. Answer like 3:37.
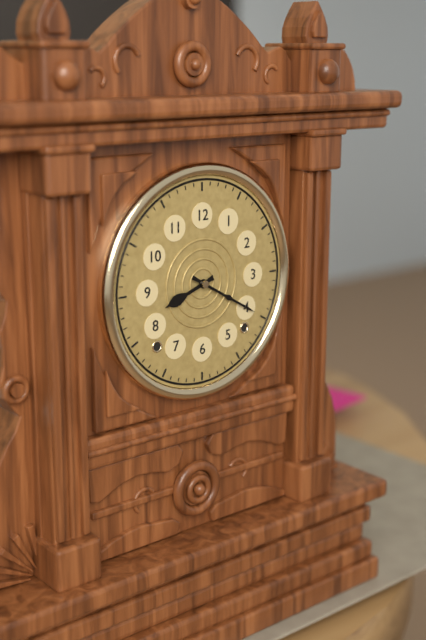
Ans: 8:20
